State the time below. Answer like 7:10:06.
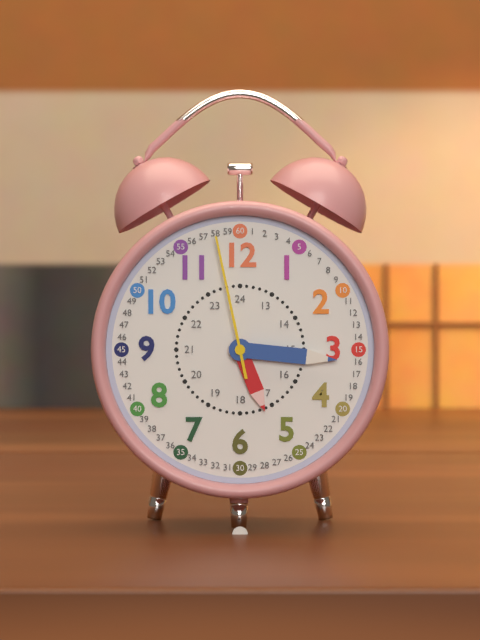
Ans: 5:16:58
